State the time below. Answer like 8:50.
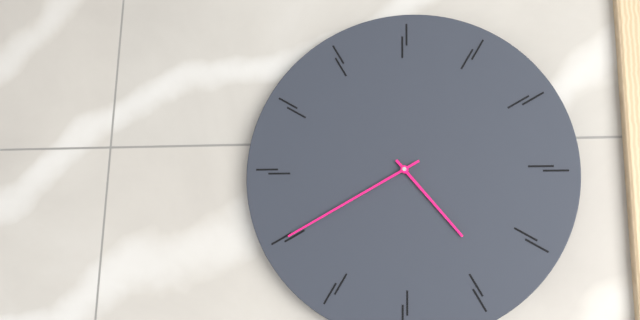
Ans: 4:40
